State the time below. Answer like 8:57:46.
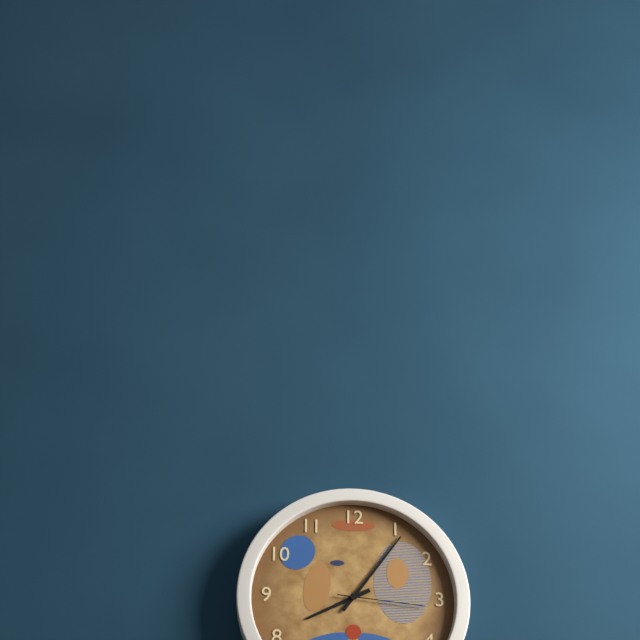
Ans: 8:06:16
